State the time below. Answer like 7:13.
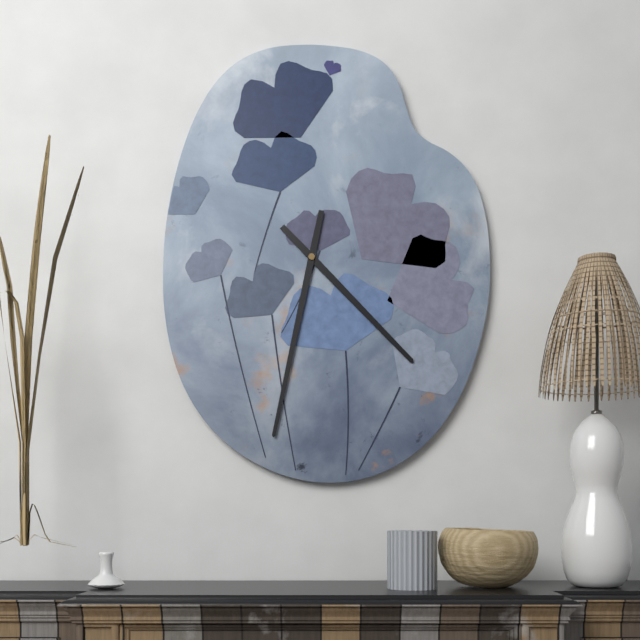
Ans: 4:32
